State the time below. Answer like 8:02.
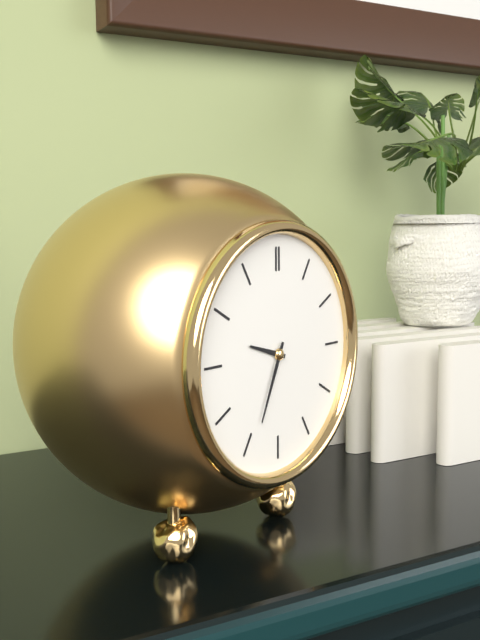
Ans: 9:34
